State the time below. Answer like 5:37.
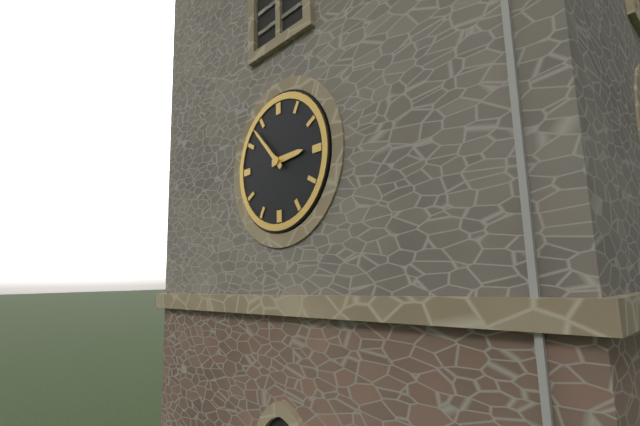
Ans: 2:53
